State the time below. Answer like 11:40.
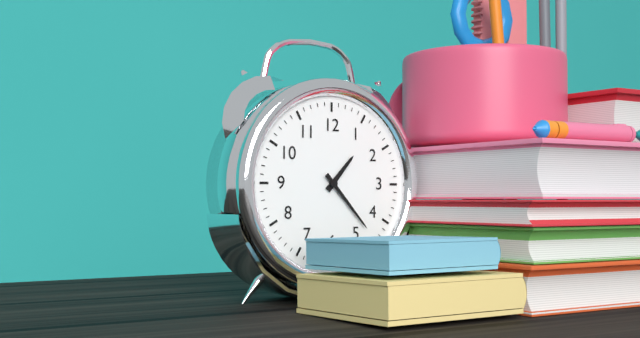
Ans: 1:23
